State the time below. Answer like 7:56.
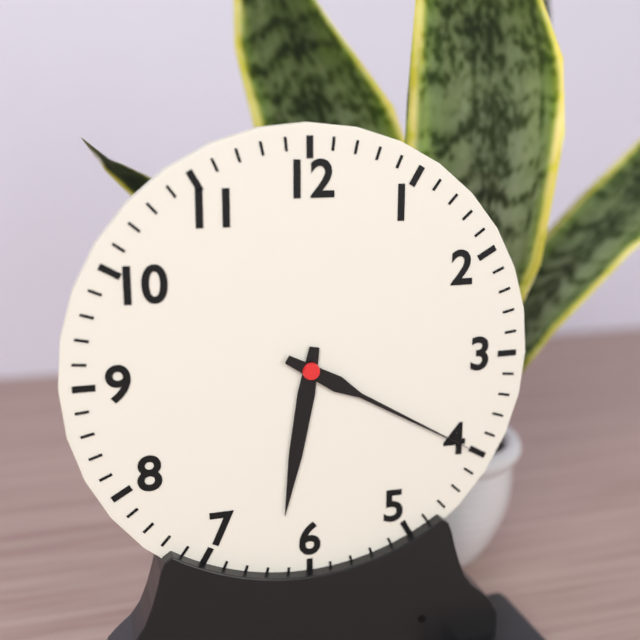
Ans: 6:20
